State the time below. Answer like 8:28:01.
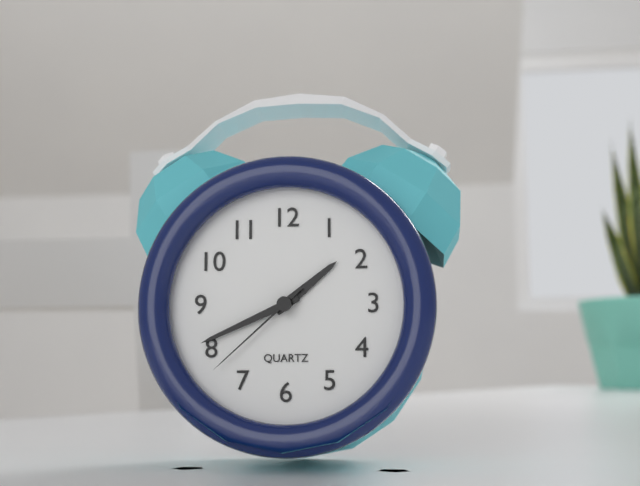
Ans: 1:41:38
